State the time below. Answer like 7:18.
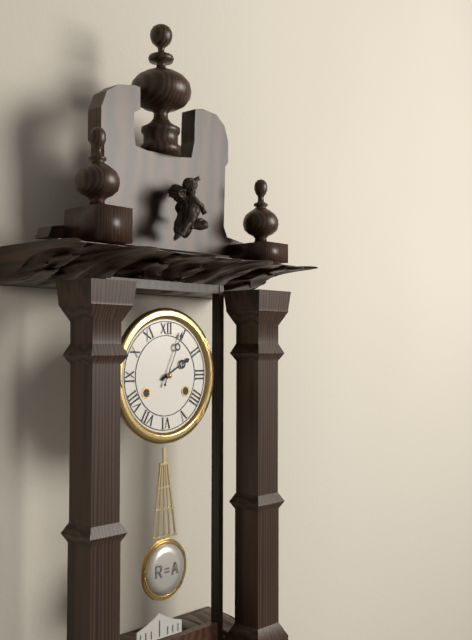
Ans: 2:04
